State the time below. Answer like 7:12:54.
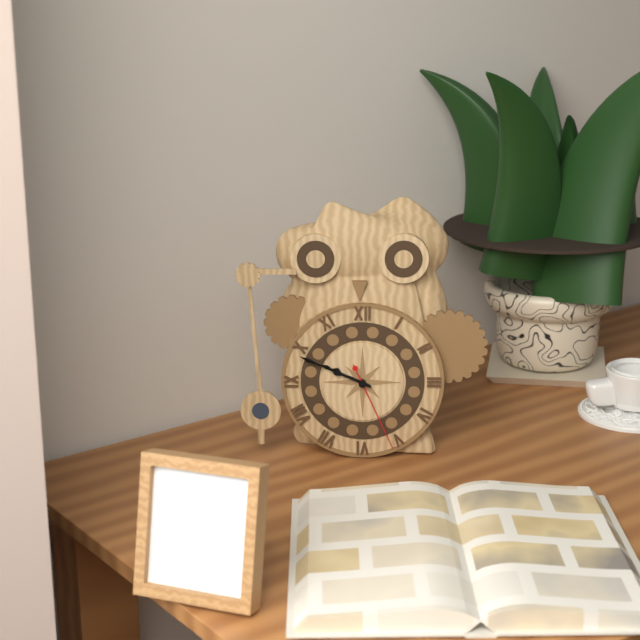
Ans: 9:49:26
